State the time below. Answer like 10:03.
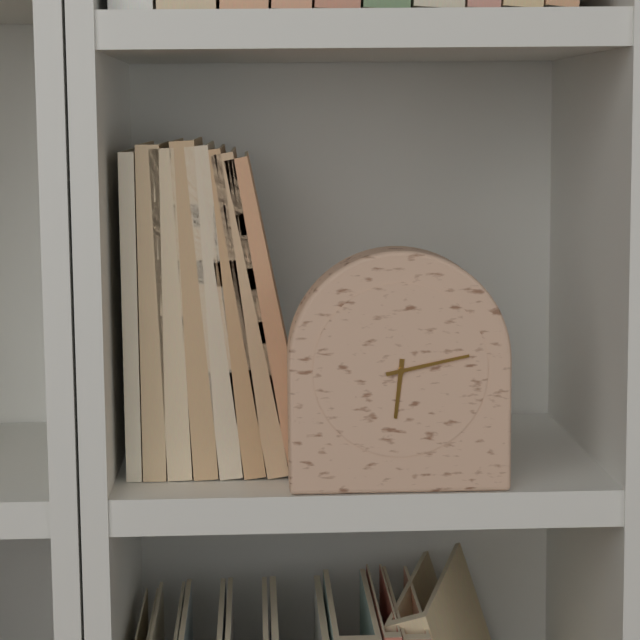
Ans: 6:13
